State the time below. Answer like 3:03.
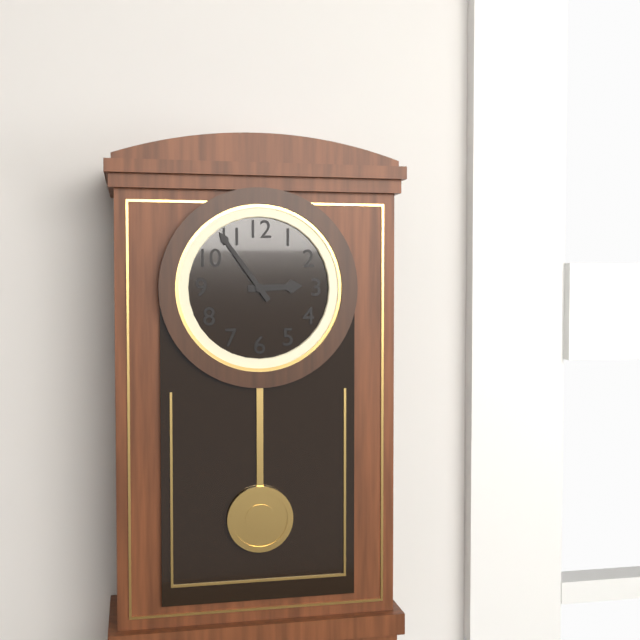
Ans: 2:54
